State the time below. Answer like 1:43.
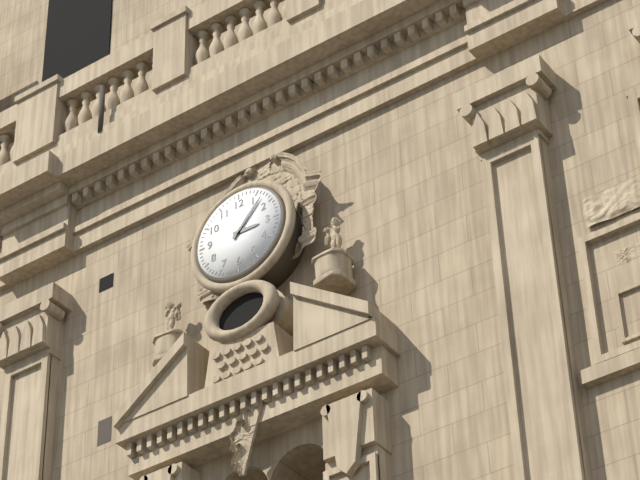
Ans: 3:07
